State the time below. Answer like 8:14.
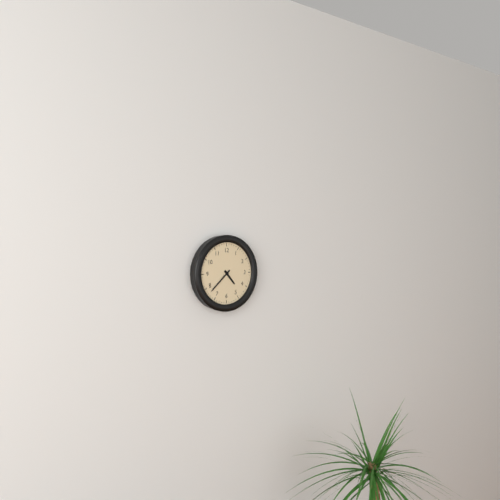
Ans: 4:38
